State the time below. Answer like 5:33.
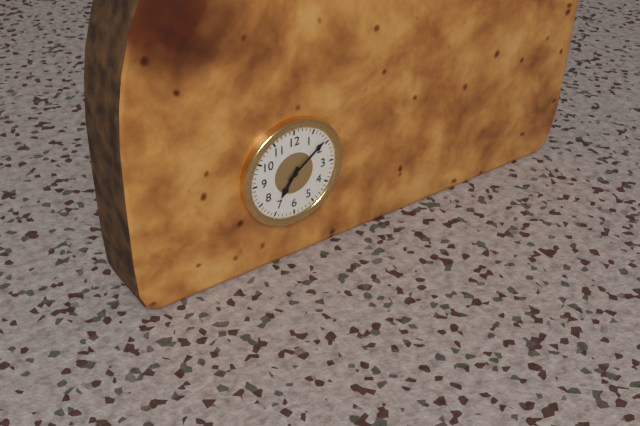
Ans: 7:09
